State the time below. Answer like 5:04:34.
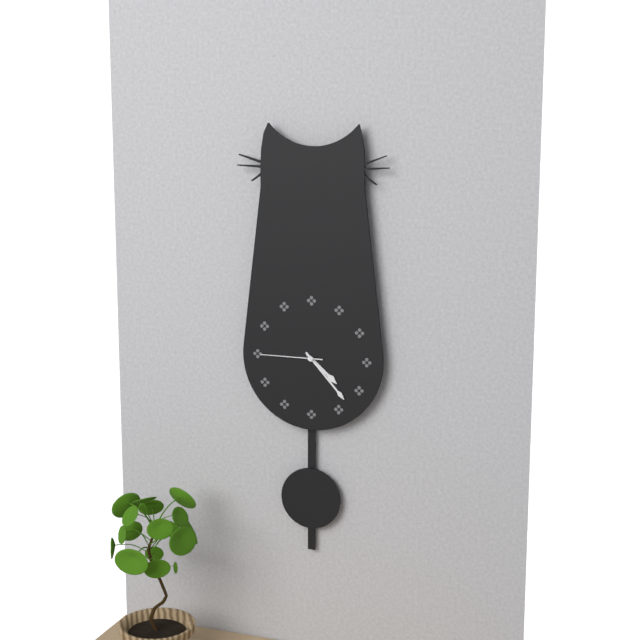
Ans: 4:23:45
